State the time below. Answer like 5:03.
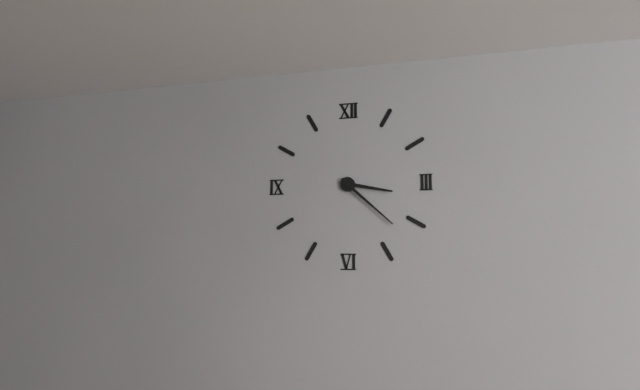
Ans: 3:22
